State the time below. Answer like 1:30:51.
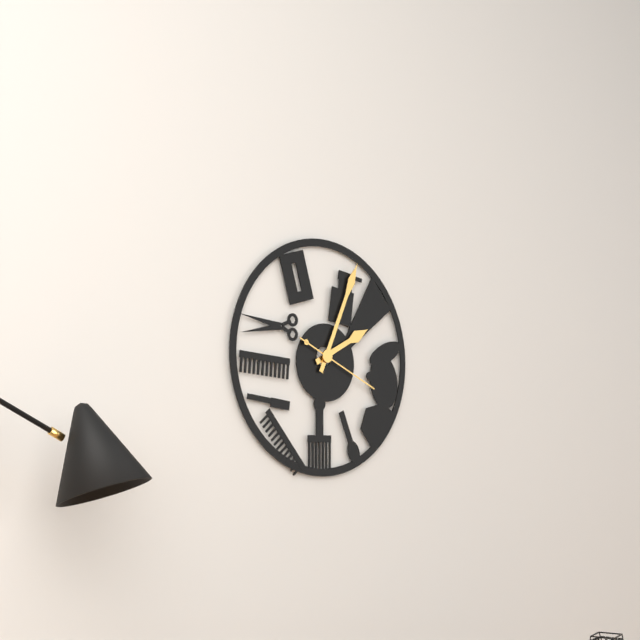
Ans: 2:04:19
